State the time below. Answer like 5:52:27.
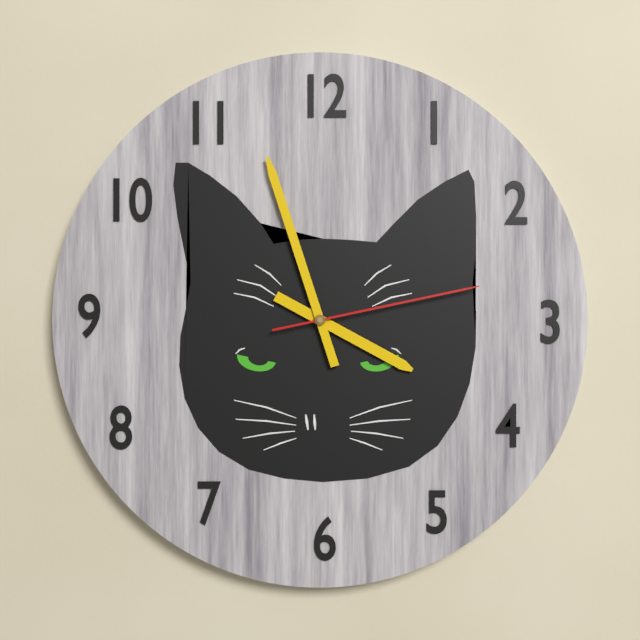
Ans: 3:57:13
